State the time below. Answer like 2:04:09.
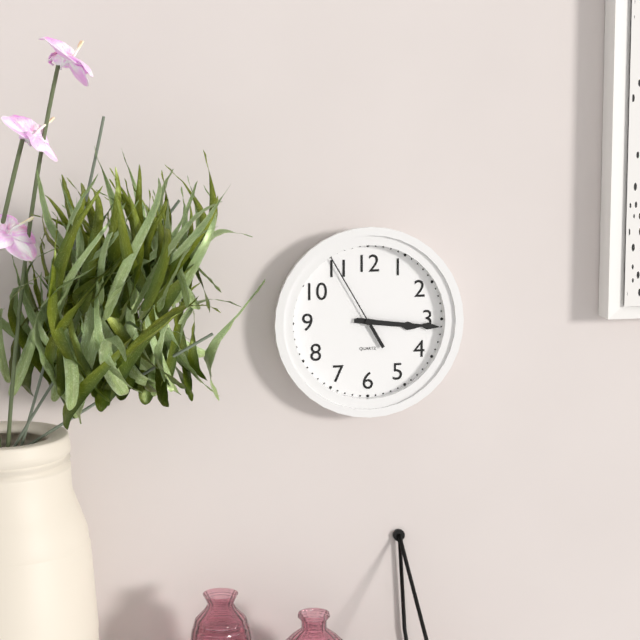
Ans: 3:16:55
